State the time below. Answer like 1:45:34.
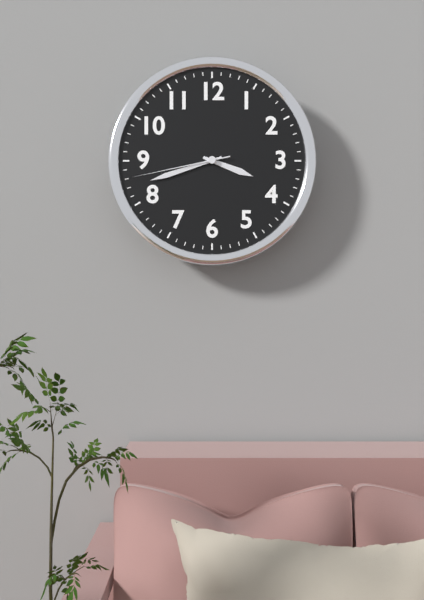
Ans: 3:42:43
